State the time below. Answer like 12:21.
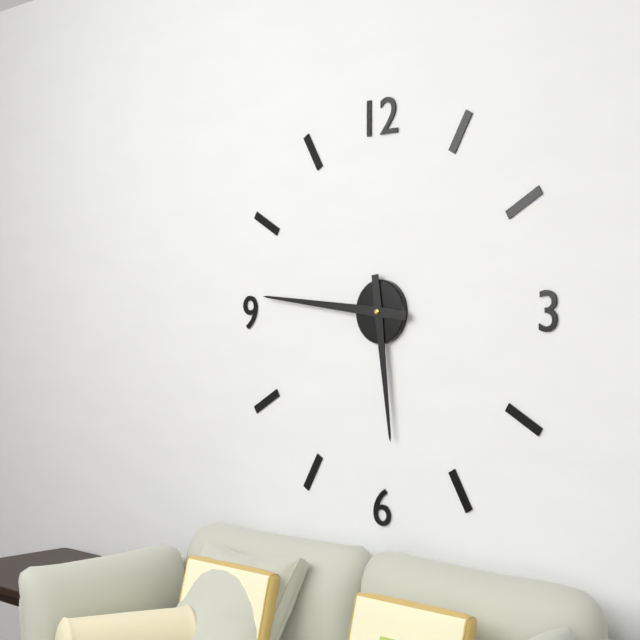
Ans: 5:46
